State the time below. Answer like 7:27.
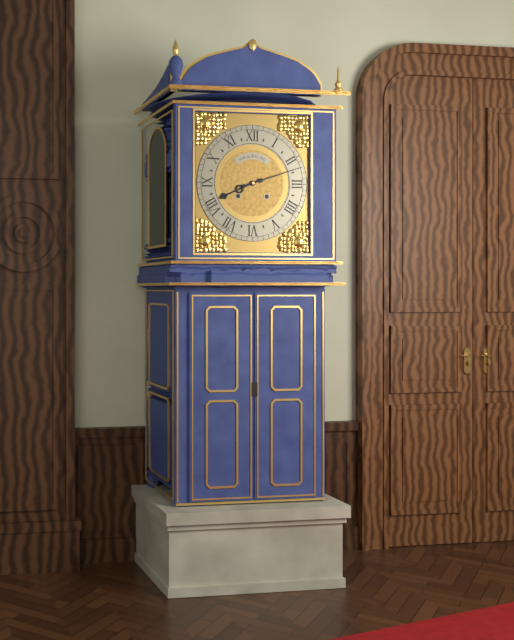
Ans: 8:12
